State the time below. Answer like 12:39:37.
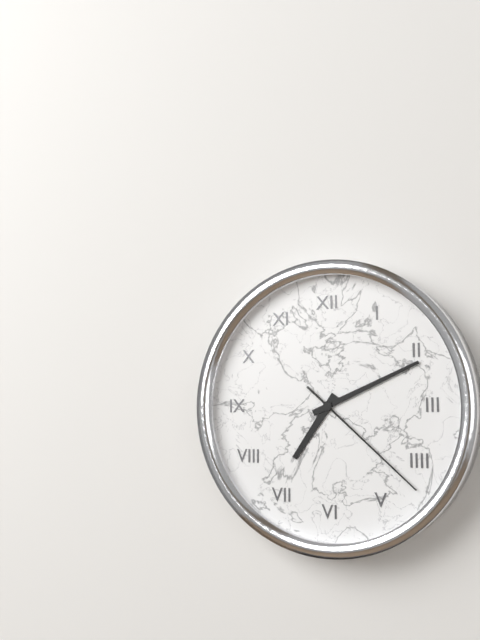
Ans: 7:11:22
